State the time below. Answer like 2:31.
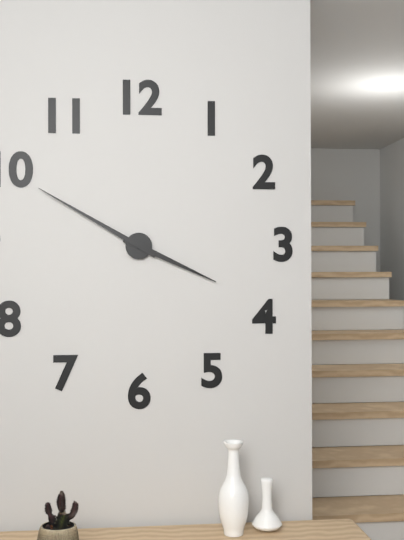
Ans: 3:50
